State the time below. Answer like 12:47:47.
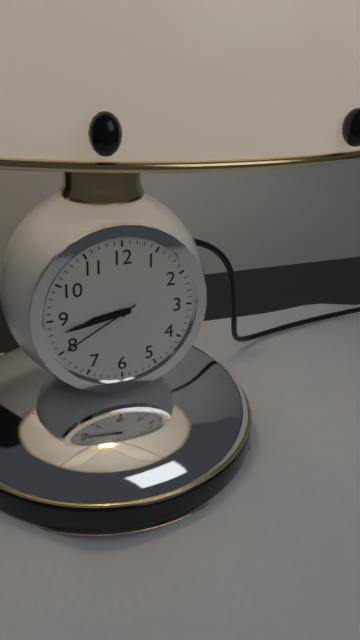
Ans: 8:43:40
